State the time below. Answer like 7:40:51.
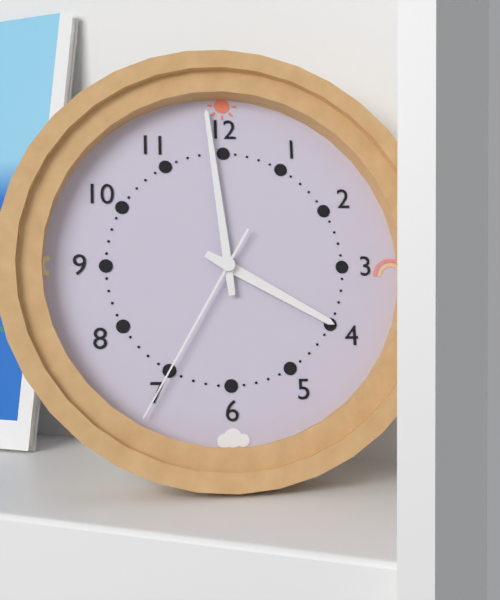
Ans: 3:59:35
